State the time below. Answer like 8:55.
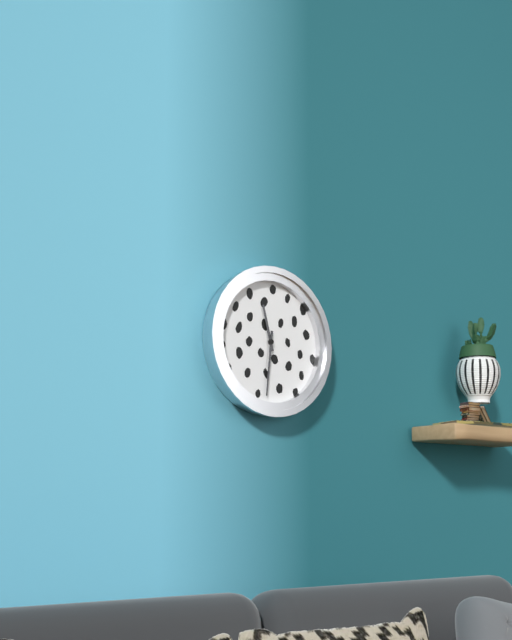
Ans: 11:31
